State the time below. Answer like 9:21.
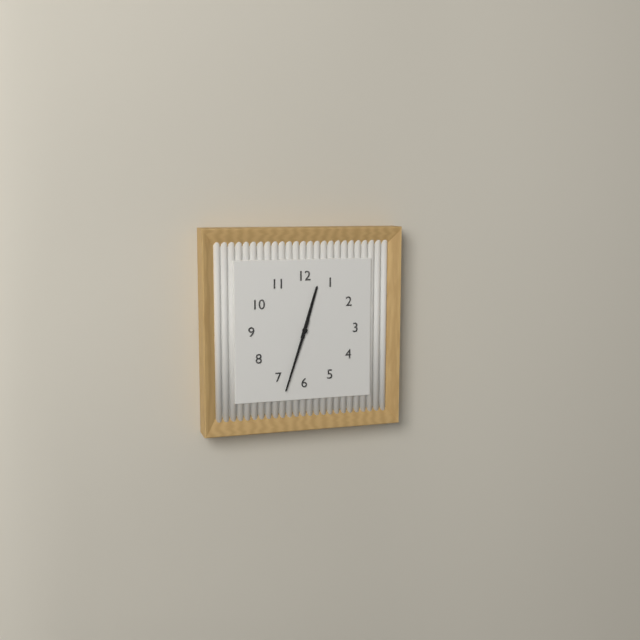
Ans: 12:33
